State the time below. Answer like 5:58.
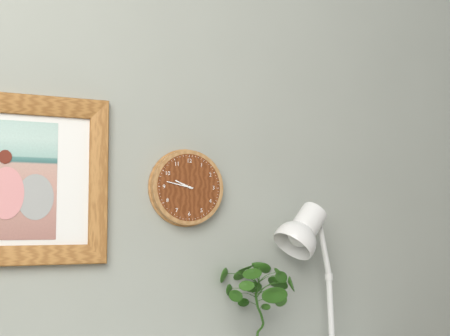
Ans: 9:47
